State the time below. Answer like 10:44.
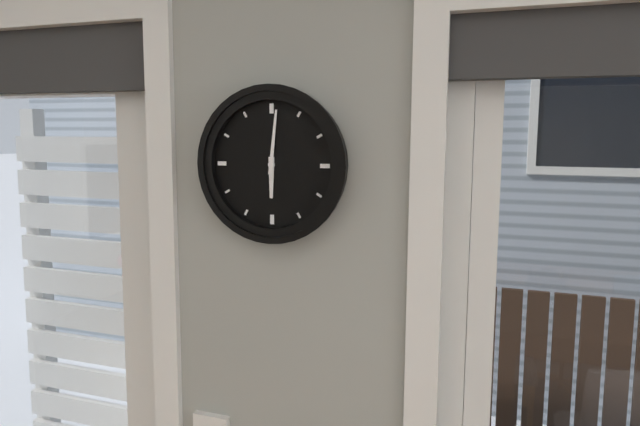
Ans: 6:01
